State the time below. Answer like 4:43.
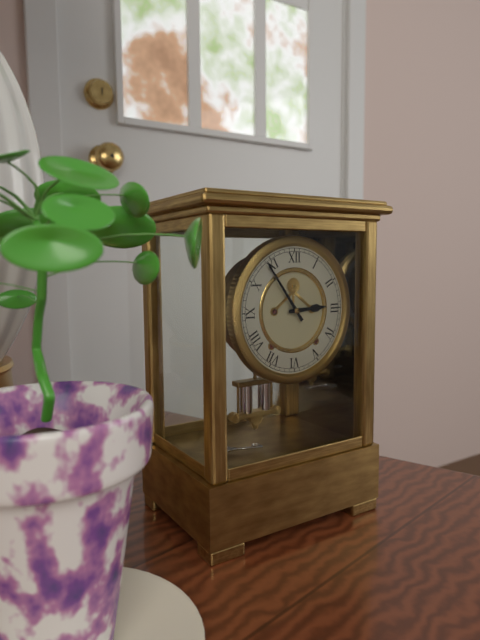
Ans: 2:54
